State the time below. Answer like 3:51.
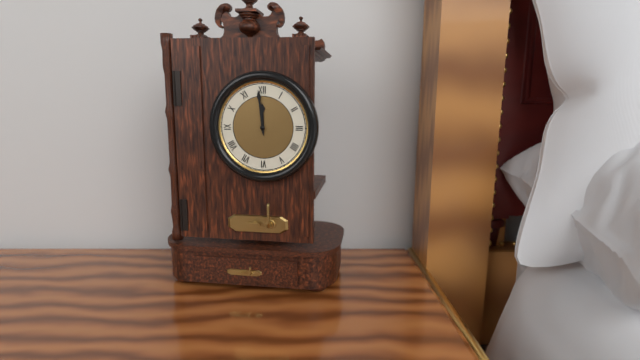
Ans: 11:59
